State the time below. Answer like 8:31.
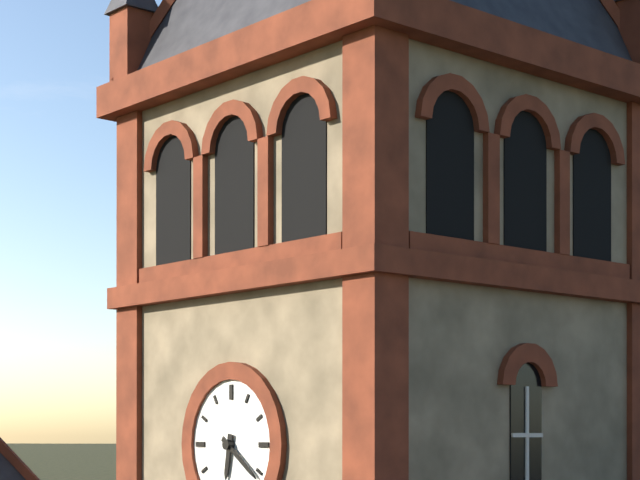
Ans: 6:21
